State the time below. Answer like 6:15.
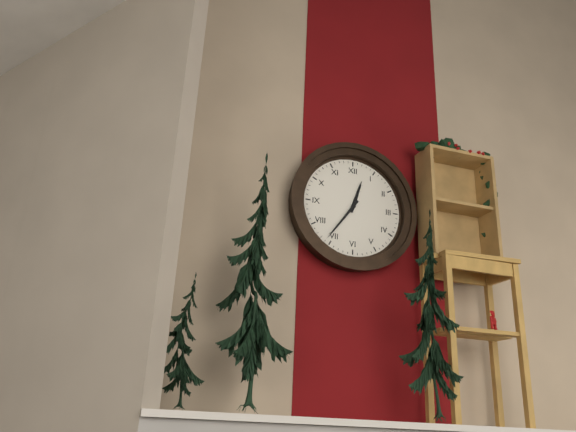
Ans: 12:36
